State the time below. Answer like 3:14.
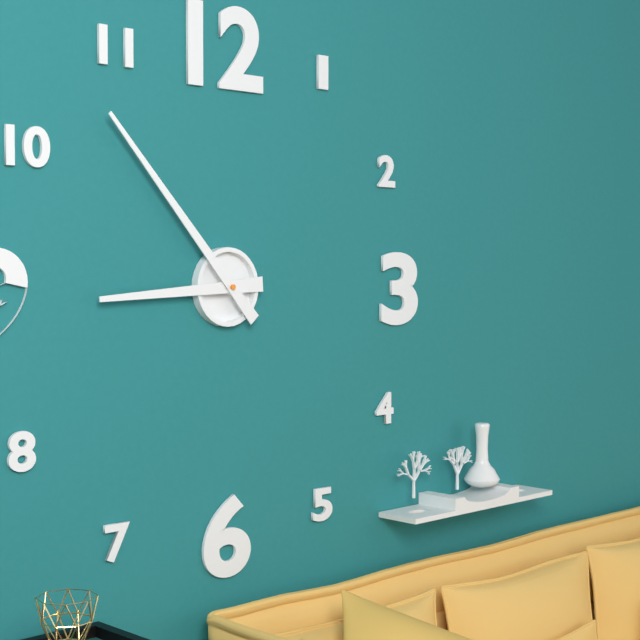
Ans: 8:53
